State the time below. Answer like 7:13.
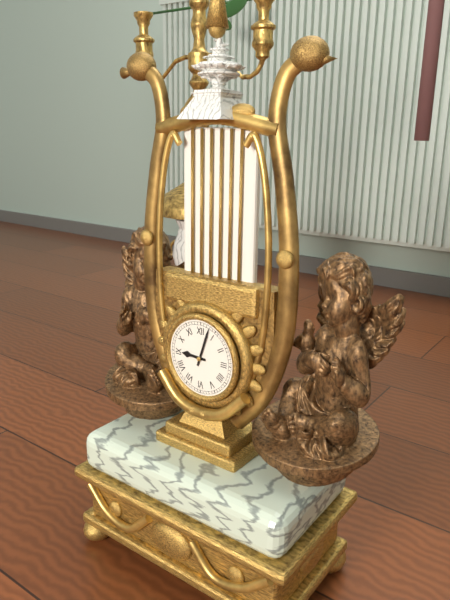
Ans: 9:03
